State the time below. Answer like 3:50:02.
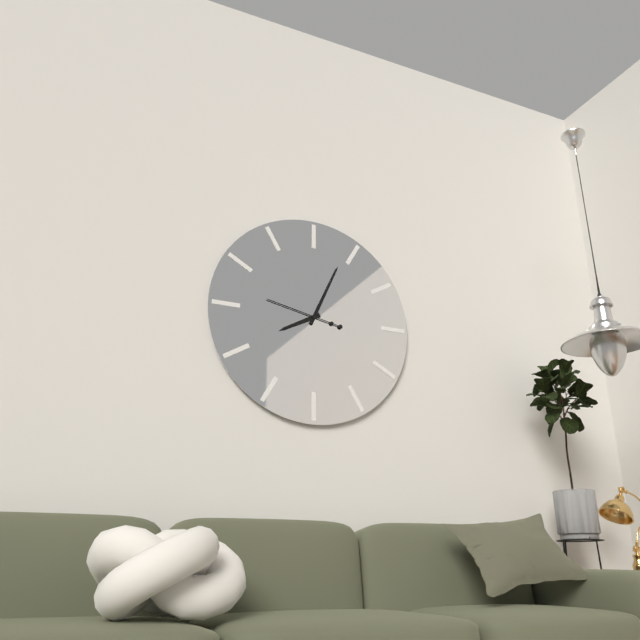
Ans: 8:04:47
